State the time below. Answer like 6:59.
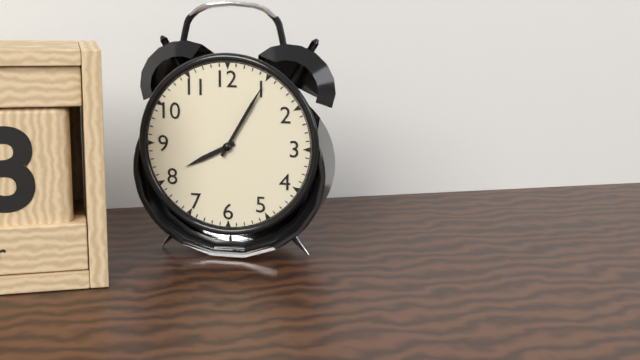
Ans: 8:05
